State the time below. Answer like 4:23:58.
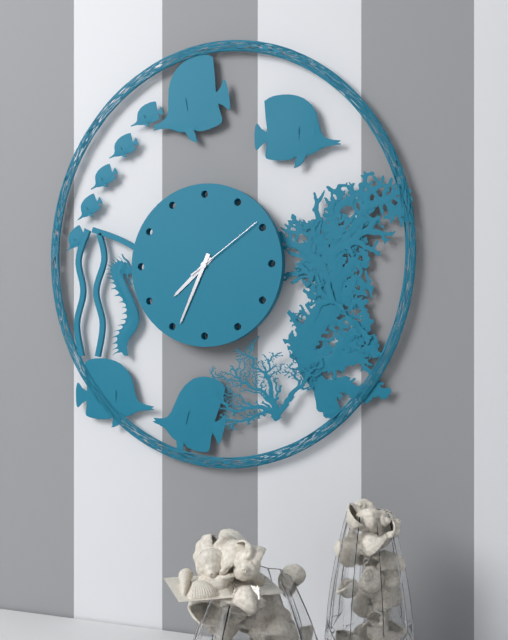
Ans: 7:34:09
